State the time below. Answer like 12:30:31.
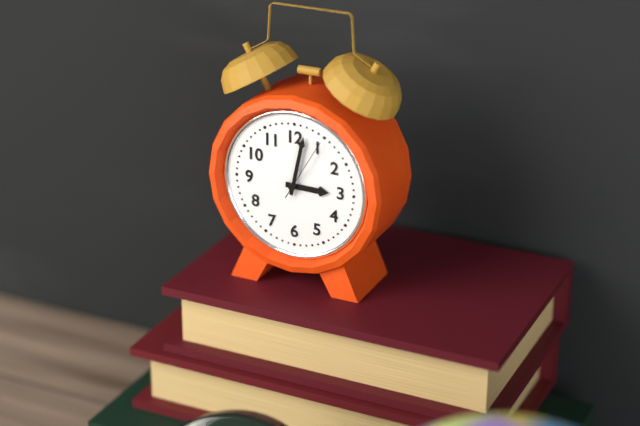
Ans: 3:02:05
